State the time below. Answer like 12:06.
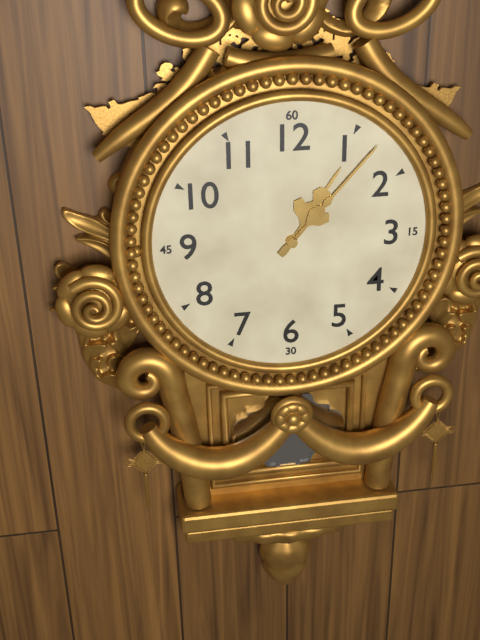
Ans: 1:07
